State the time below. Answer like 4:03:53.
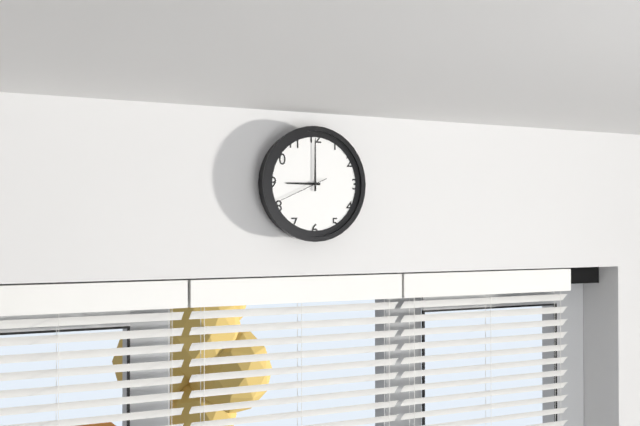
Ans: 9:00:41
